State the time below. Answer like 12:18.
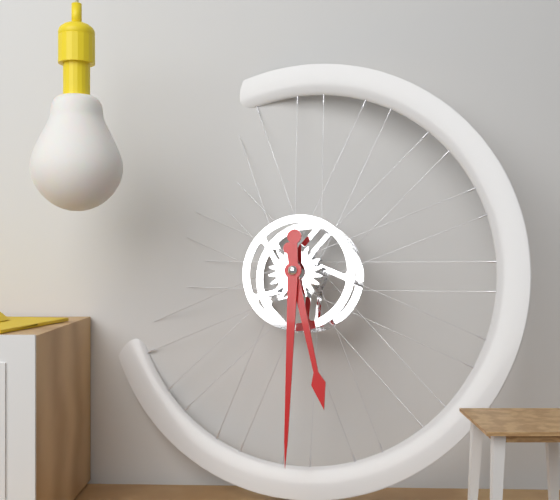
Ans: 5:30
